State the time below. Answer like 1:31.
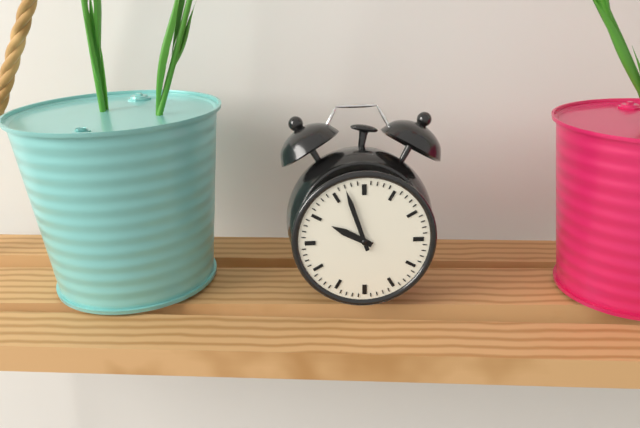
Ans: 9:57
